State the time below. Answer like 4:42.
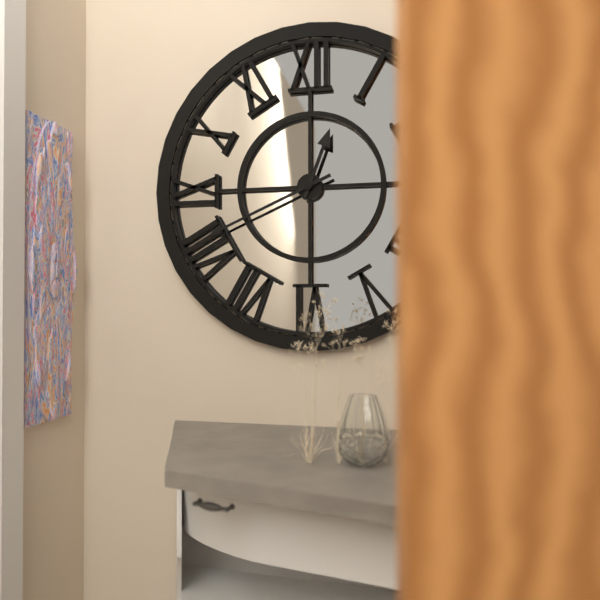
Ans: 12:41
